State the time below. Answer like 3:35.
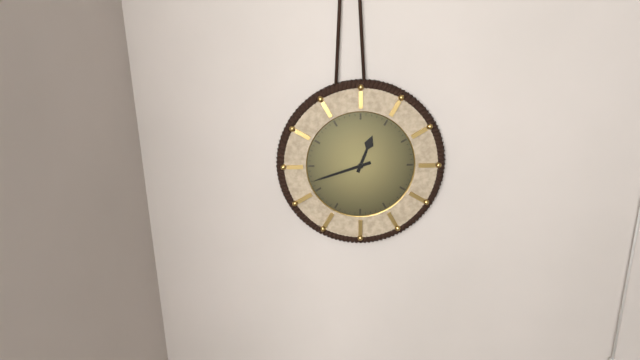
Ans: 12:42
